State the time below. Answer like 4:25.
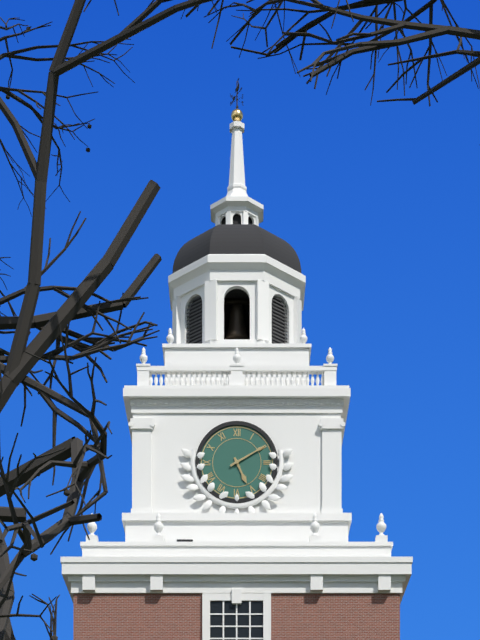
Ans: 5:10
